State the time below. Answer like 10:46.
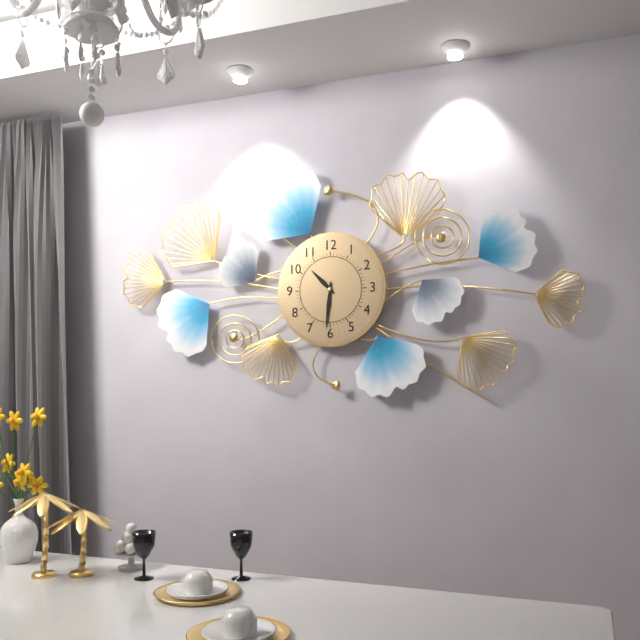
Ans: 10:31
